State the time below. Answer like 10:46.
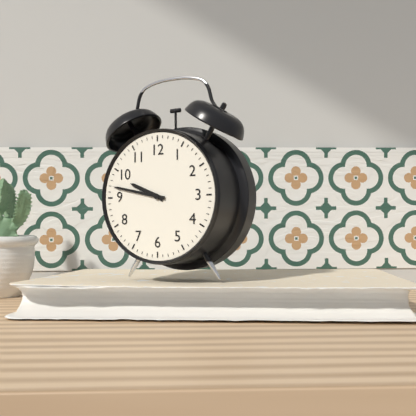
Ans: 9:47
